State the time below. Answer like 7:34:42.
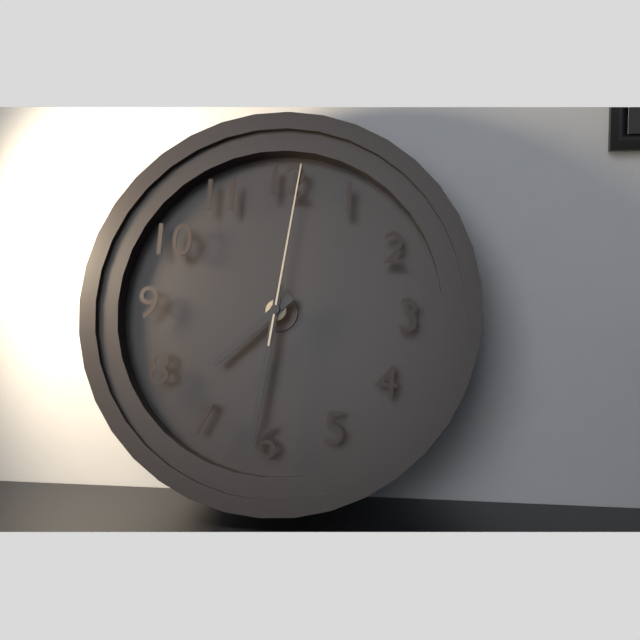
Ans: 7:31:01
